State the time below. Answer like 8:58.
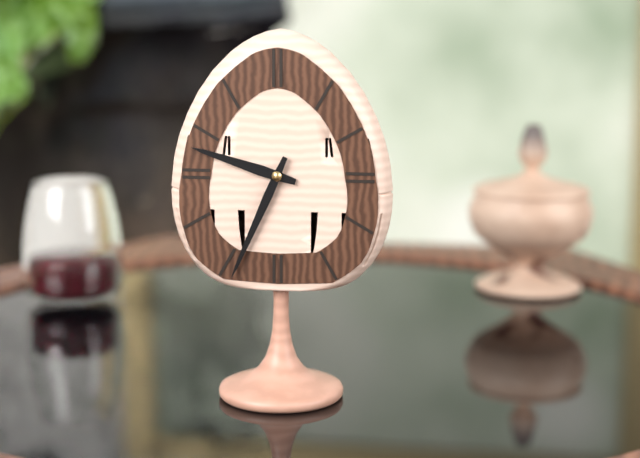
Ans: 9:34
